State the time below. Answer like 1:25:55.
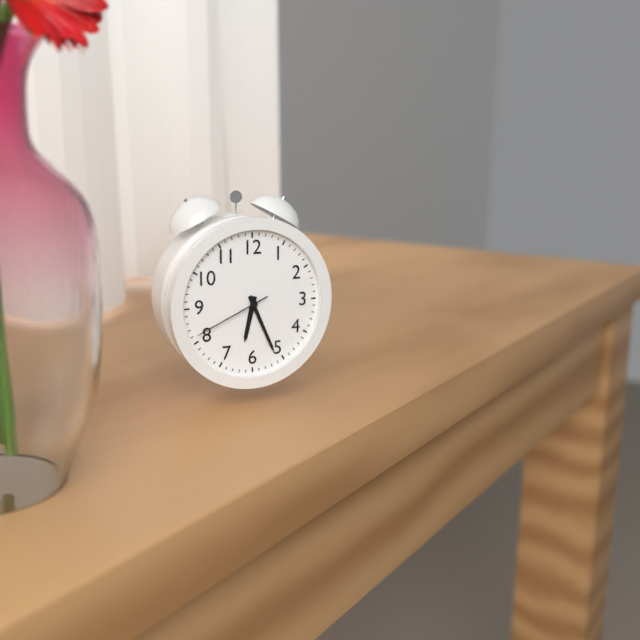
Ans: 6:26:41
